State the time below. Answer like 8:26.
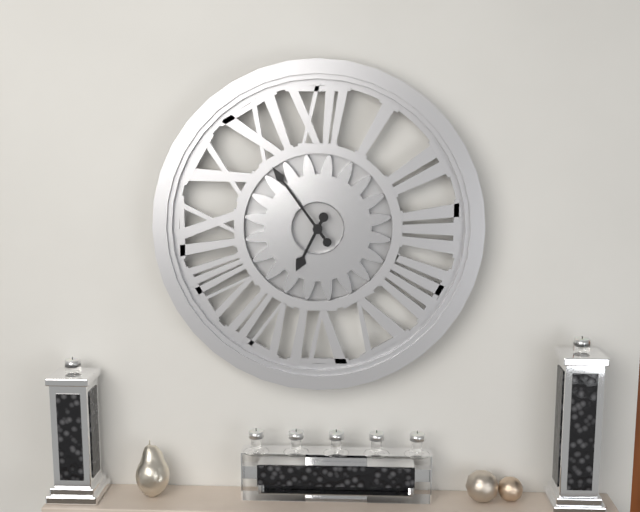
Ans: 6:54
